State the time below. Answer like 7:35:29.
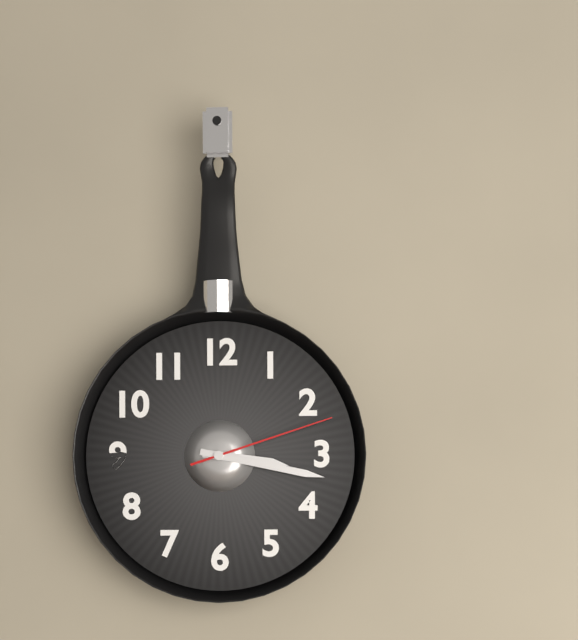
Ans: 3:17:12
